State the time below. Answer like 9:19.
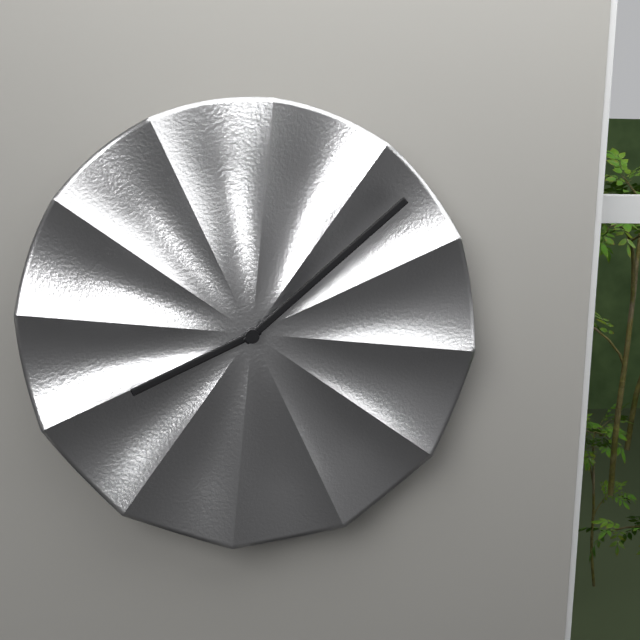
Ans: 8:08
